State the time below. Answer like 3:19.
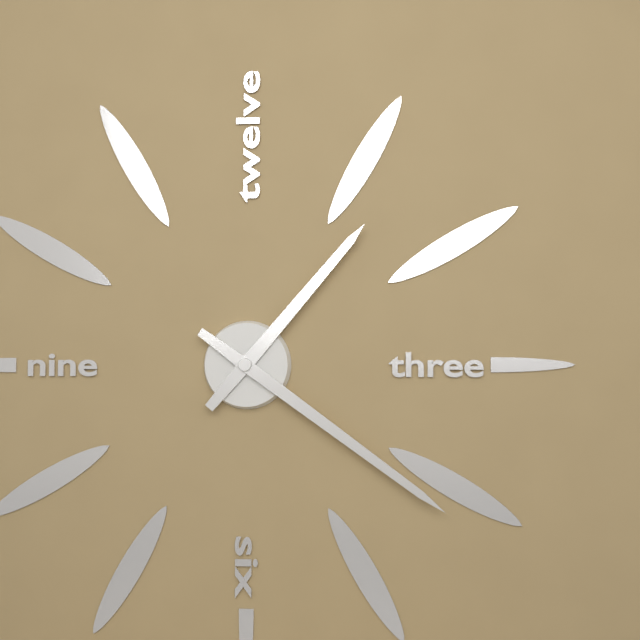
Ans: 1:21
